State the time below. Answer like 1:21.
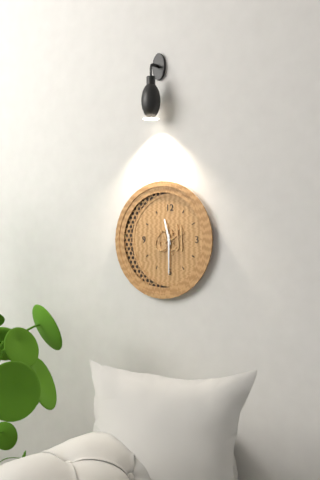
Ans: 11:30
